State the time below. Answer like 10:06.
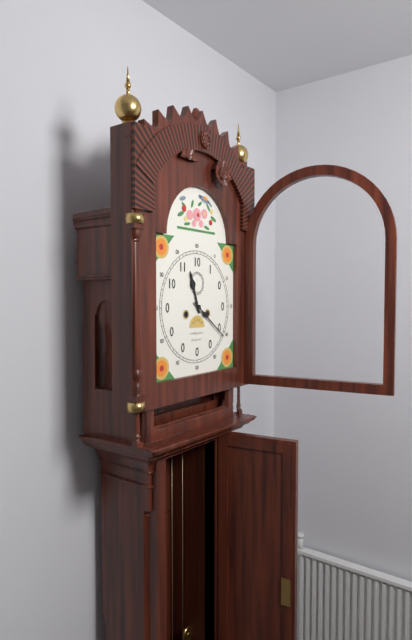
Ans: 11:21
